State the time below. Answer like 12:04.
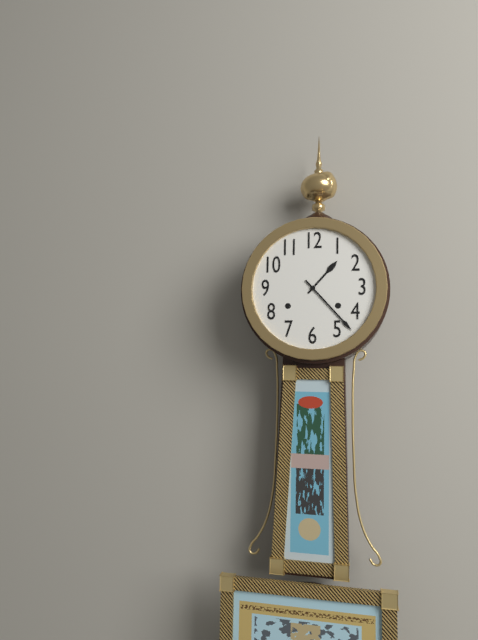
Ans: 1:23
